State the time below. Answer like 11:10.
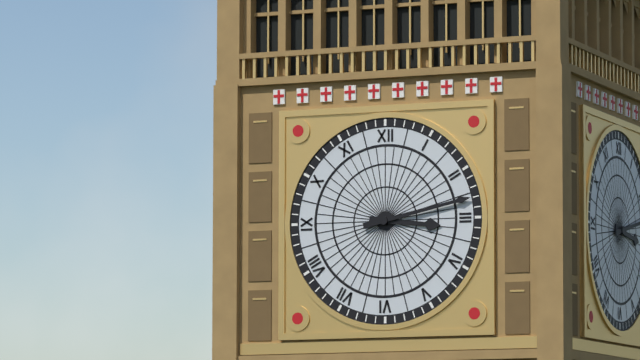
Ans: 3:13
